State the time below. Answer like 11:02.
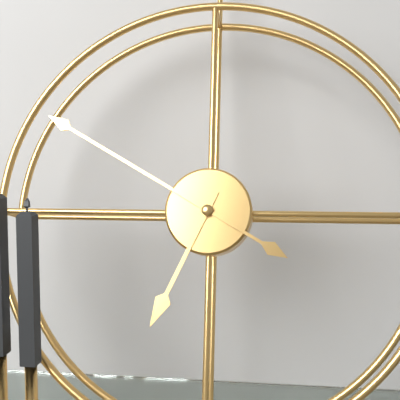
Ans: 6:50
